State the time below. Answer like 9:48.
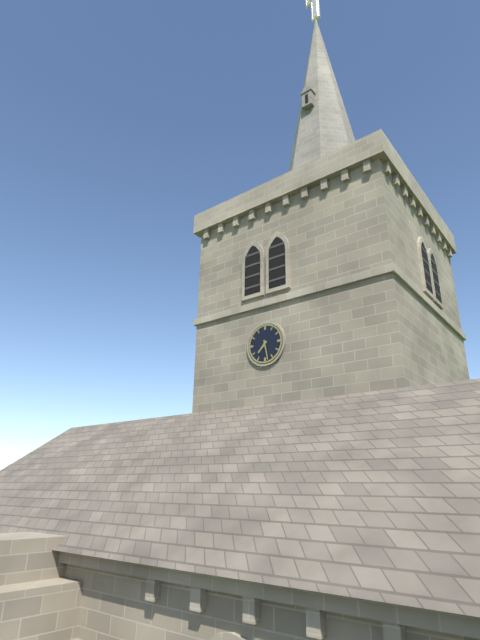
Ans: 7:28
